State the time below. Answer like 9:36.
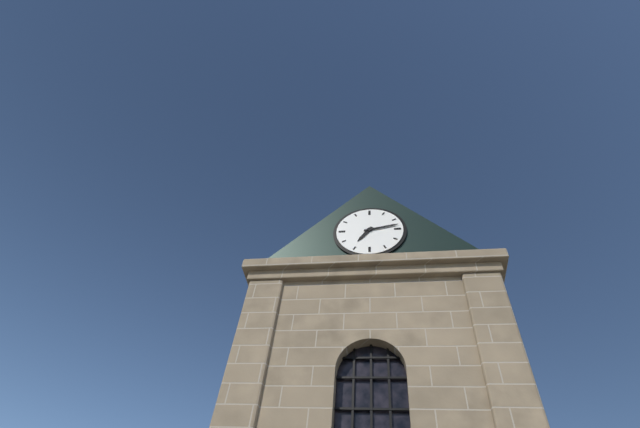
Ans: 7:13
